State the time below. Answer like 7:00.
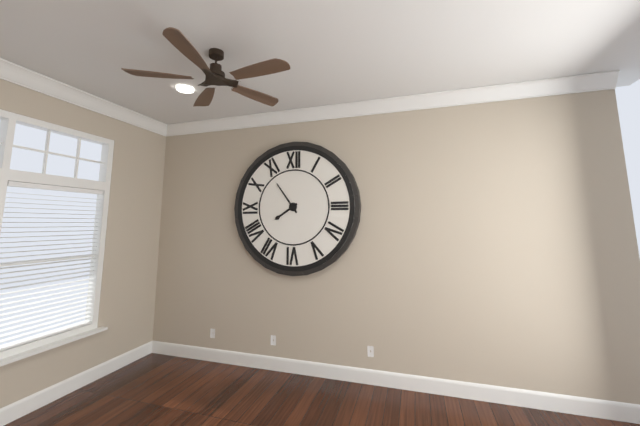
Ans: 7:54
